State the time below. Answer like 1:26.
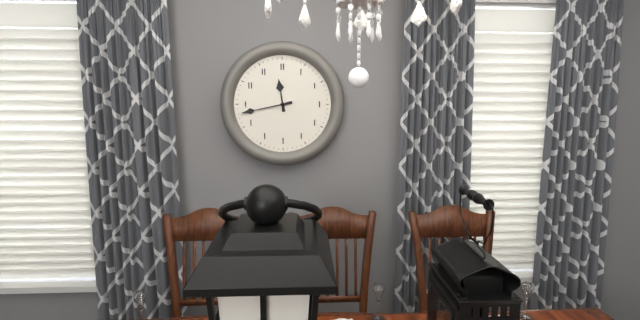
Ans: 11:43
